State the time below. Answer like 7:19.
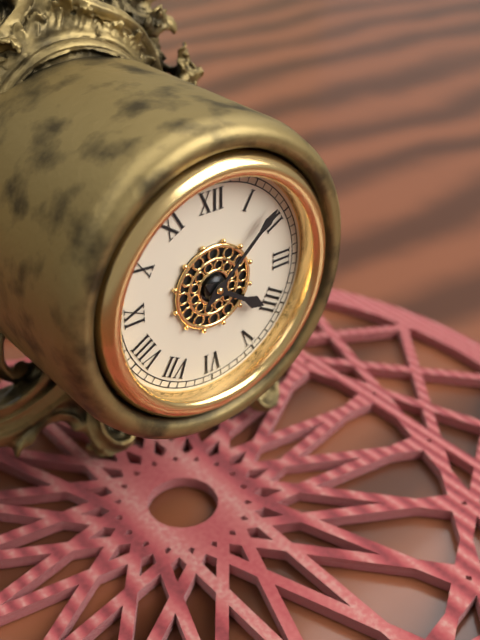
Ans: 4:08
